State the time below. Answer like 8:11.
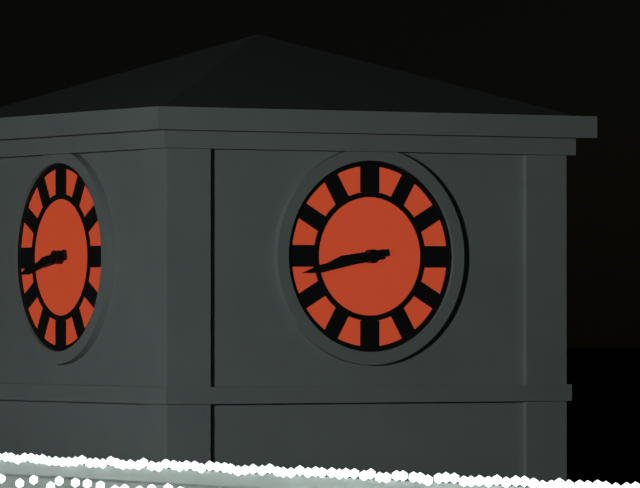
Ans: 8:43
